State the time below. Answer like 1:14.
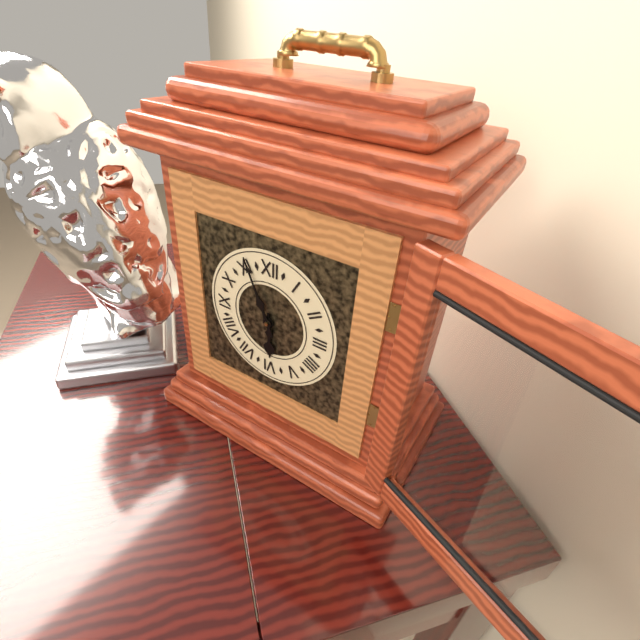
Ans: 5:56
